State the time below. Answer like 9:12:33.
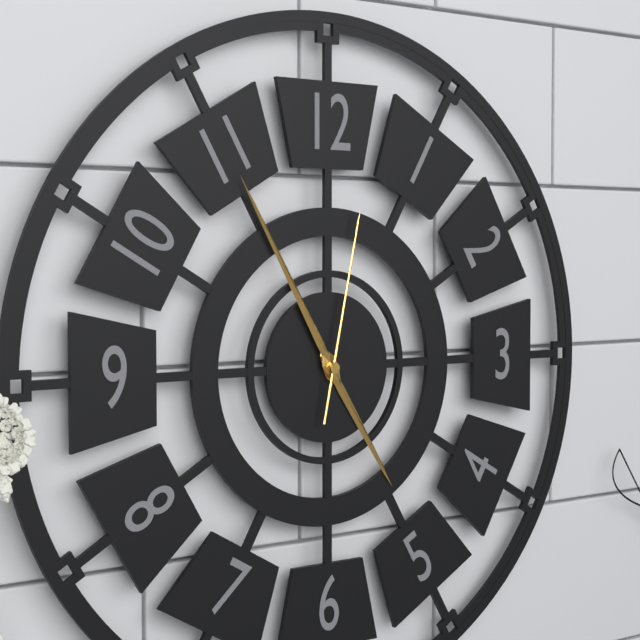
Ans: 4:55:02
